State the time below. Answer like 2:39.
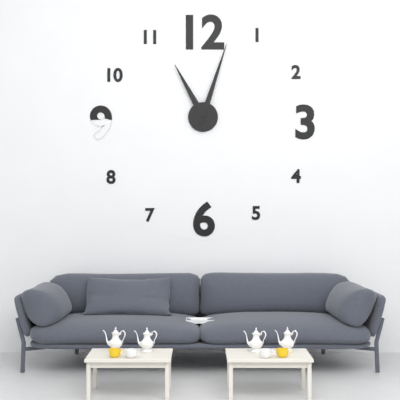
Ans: 11:03
